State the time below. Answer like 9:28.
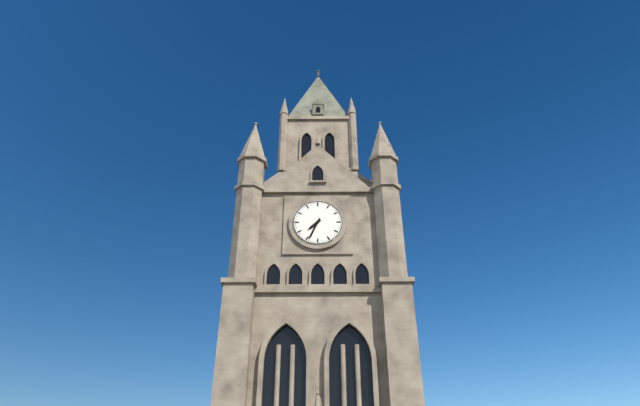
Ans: 7:34
